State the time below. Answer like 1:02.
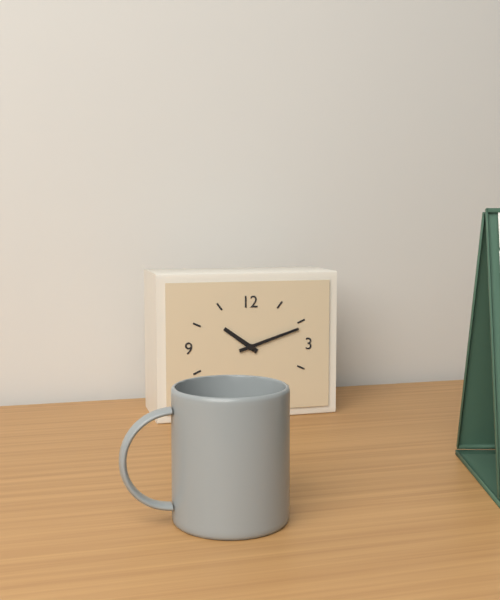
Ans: 10:12
